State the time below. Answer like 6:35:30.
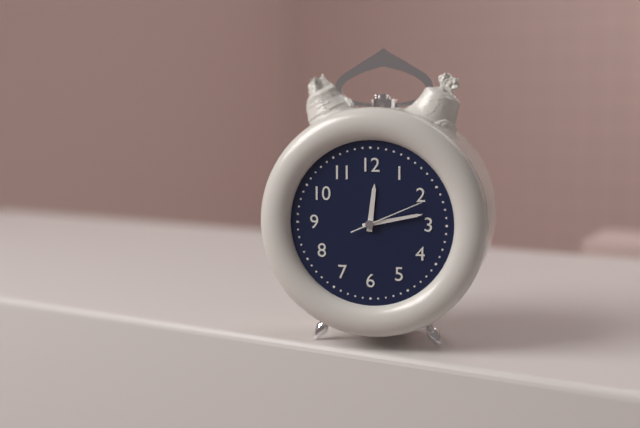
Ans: 12:13:11
